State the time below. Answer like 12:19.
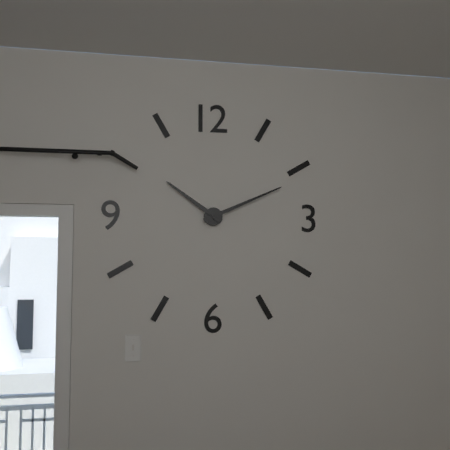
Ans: 10:11
